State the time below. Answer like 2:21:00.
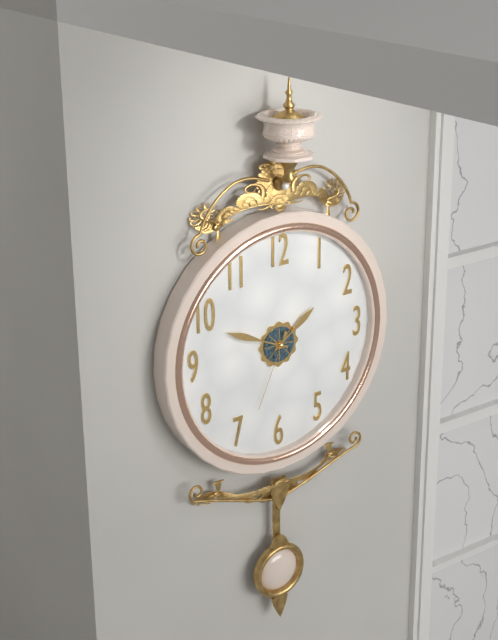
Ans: 1:49:34
